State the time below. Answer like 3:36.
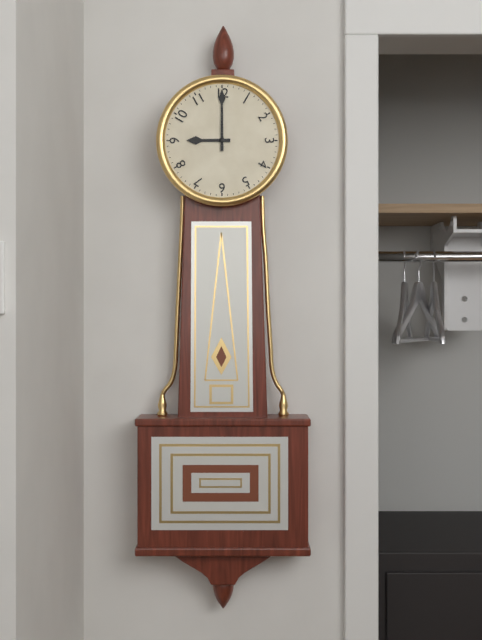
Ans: 9:00
